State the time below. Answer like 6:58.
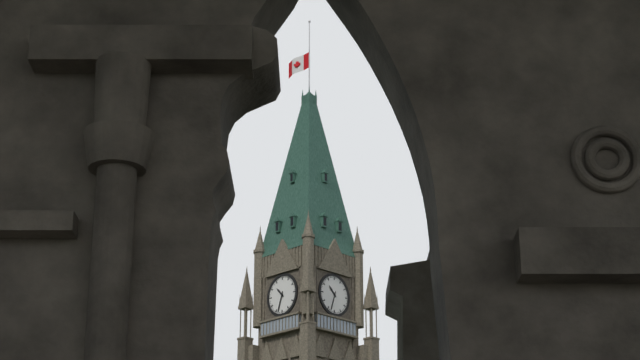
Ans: 10:33
